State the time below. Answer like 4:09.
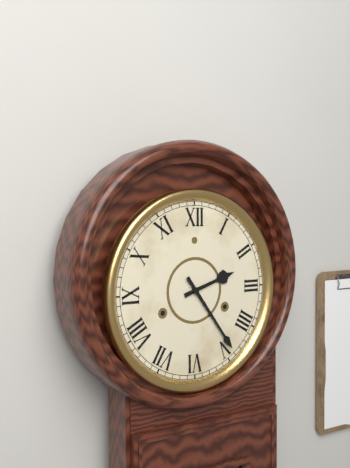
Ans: 2:24
